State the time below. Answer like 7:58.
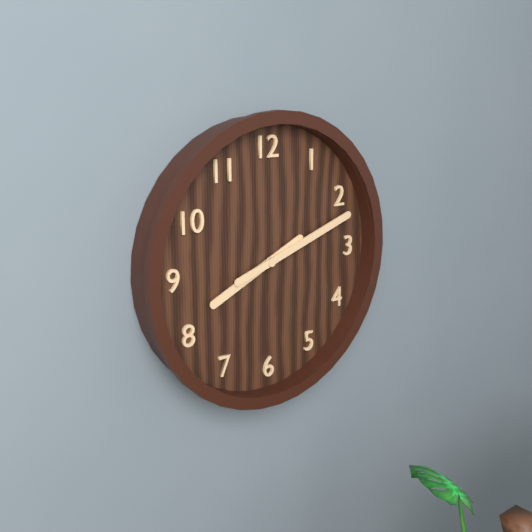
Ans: 8:12
